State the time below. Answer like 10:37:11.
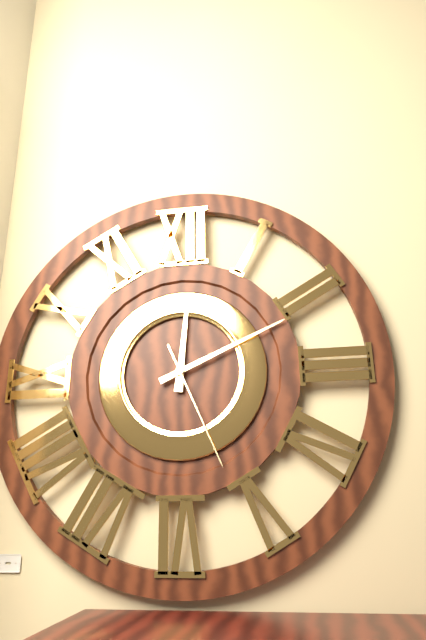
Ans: 12:11:26
